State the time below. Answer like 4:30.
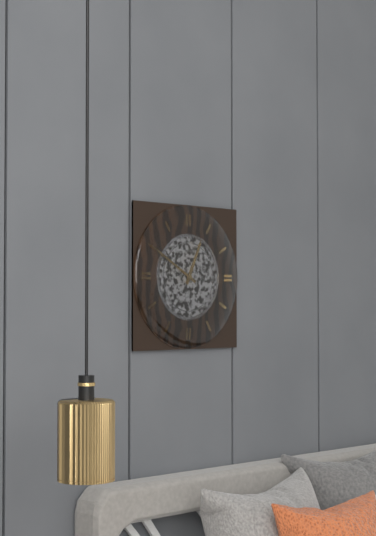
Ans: 12:50
